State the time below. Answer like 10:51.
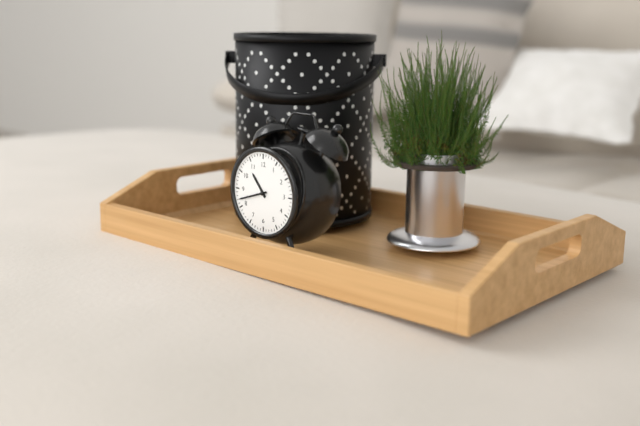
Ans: 10:42
